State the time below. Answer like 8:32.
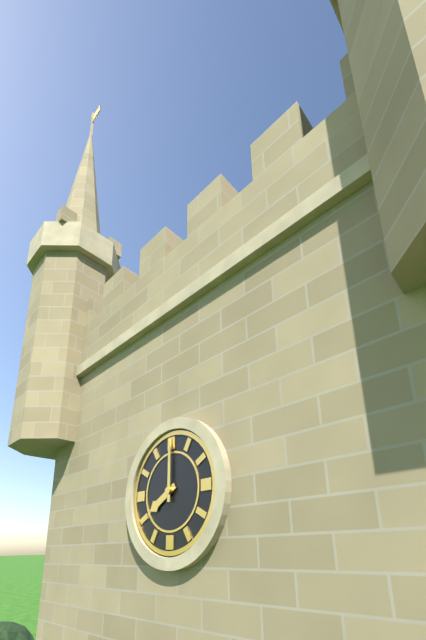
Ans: 8:00
